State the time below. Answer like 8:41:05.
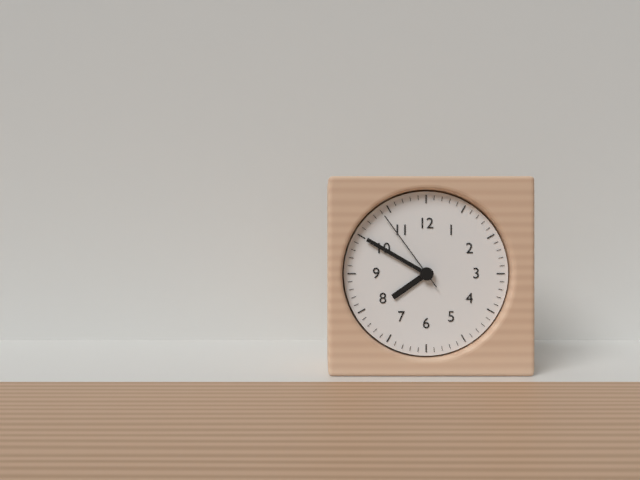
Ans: 7:50:54
